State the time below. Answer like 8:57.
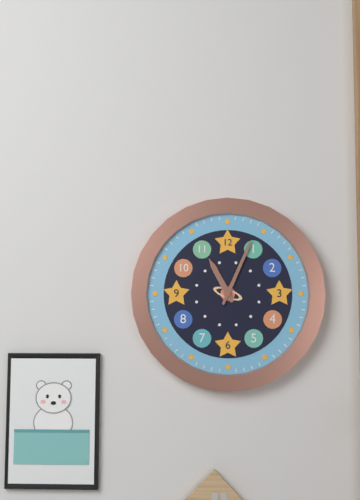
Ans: 11:04
